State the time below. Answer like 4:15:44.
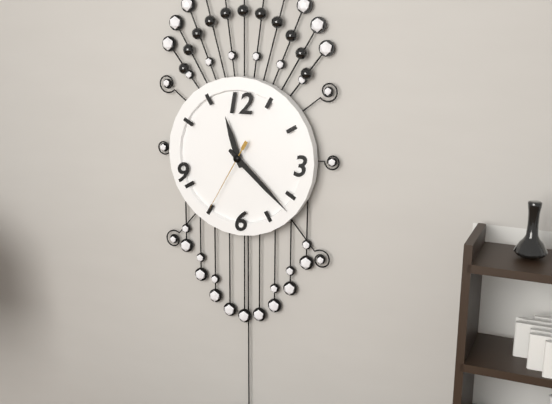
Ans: 11:22:35
